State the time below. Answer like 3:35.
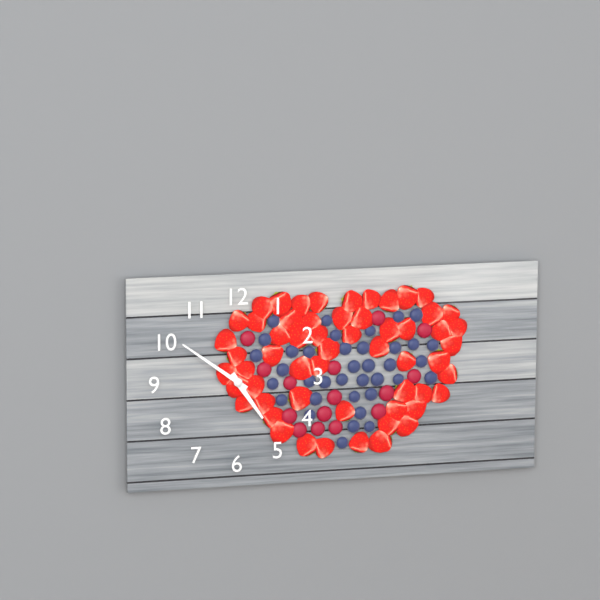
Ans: 4:51
